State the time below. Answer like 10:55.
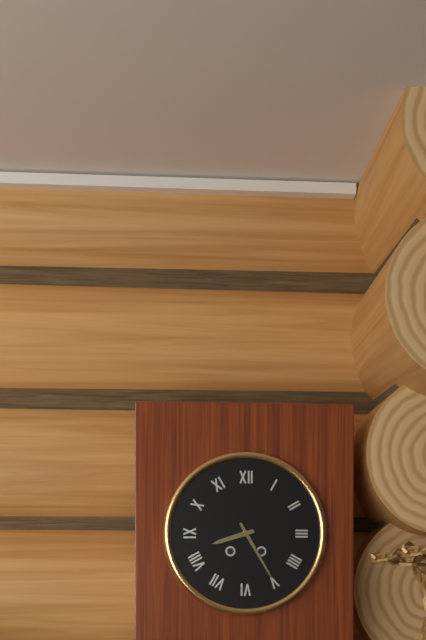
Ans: 8:25
